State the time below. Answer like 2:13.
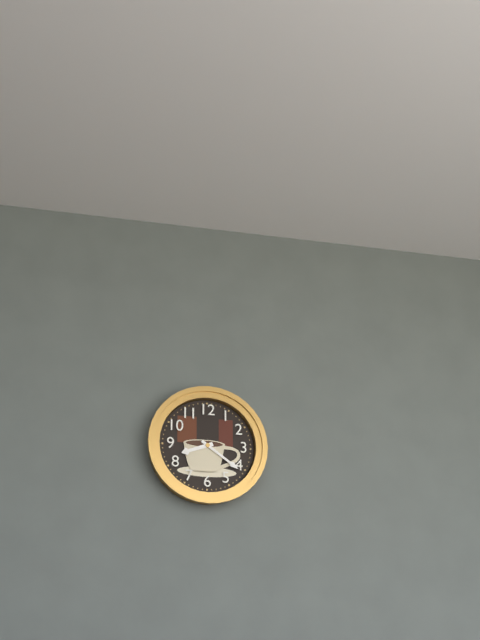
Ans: 8:21
